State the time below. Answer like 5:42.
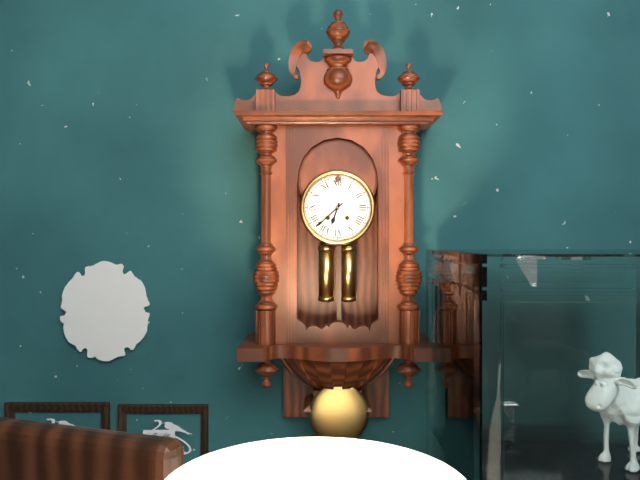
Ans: 6:38
